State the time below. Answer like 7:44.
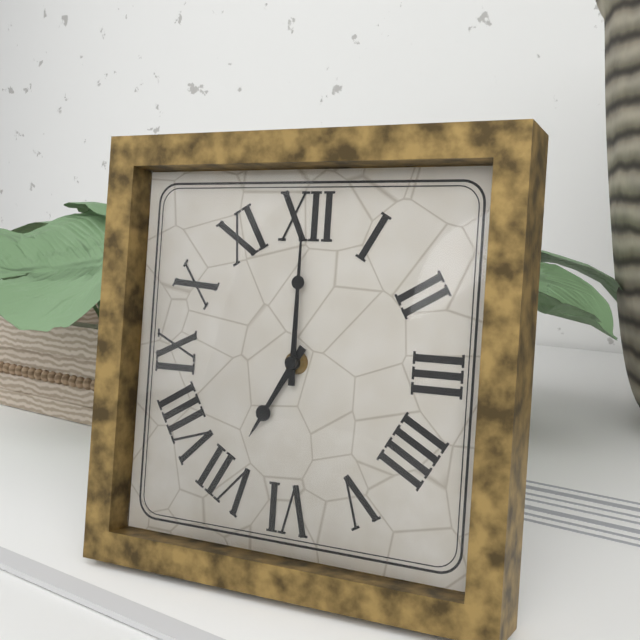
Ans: 7:00
